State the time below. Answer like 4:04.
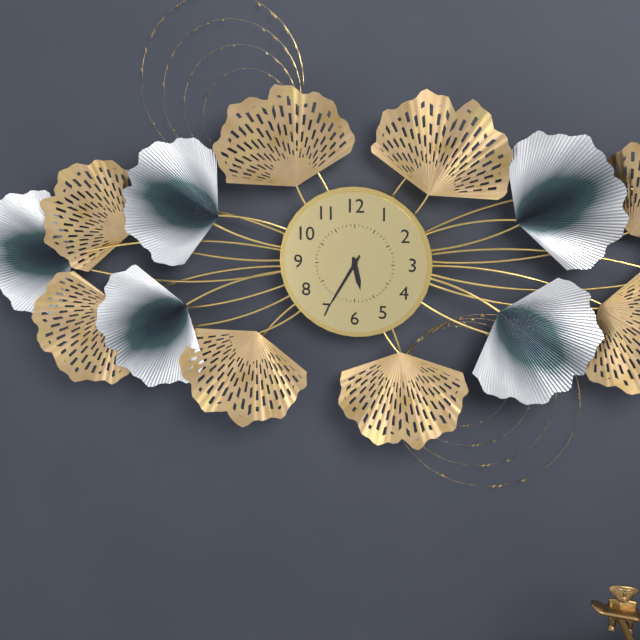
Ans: 5:35
